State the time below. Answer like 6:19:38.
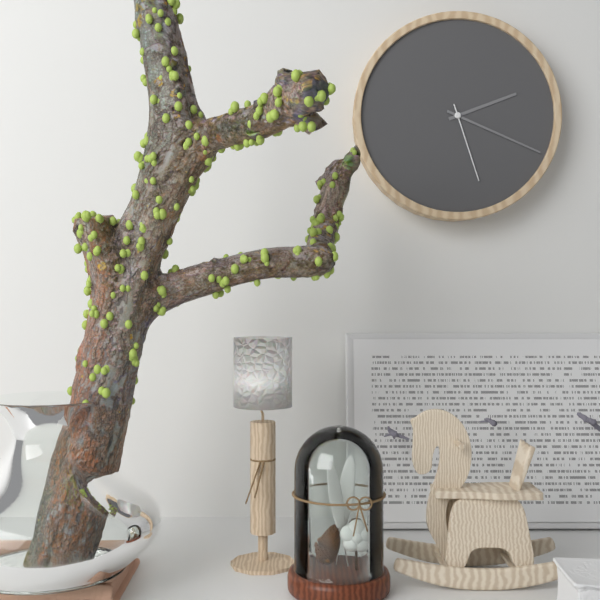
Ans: 2:19:27
